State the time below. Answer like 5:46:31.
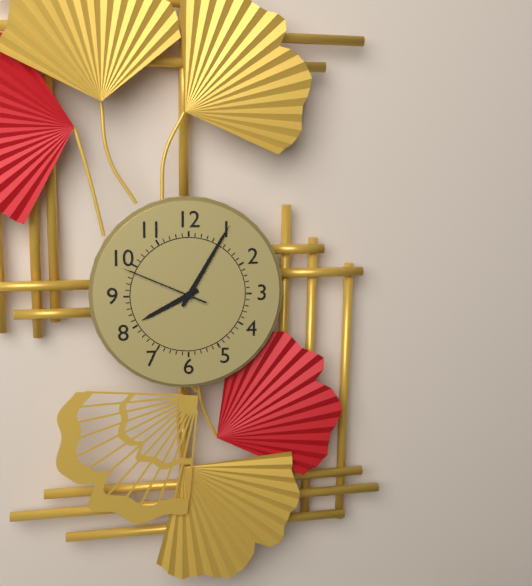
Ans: 8:05:49
